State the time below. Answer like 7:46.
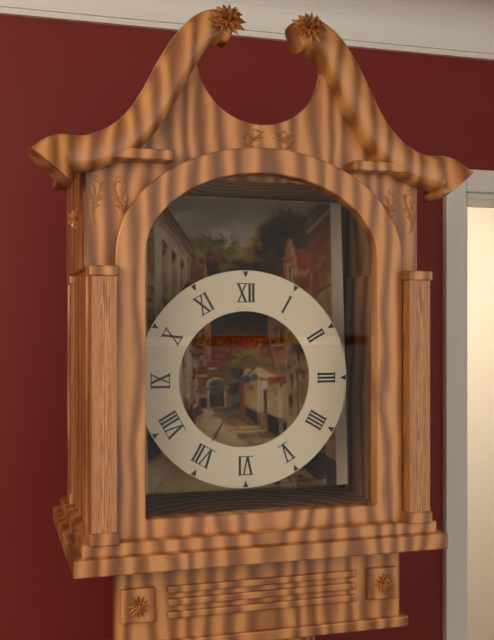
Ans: 8:35
